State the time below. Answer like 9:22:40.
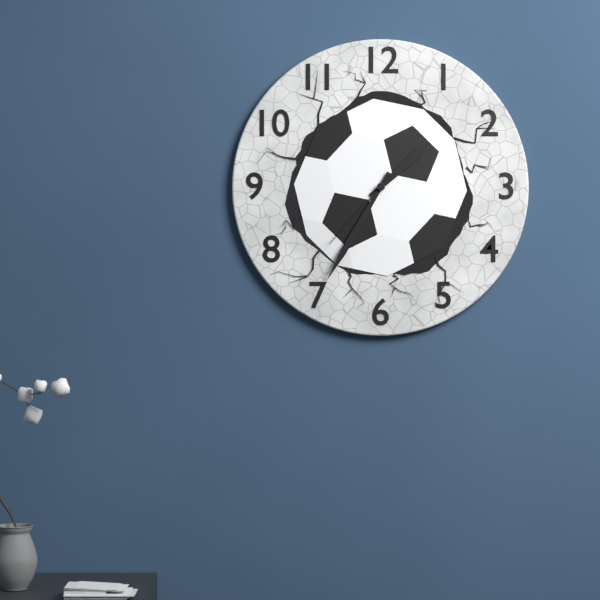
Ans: 1:35:37
